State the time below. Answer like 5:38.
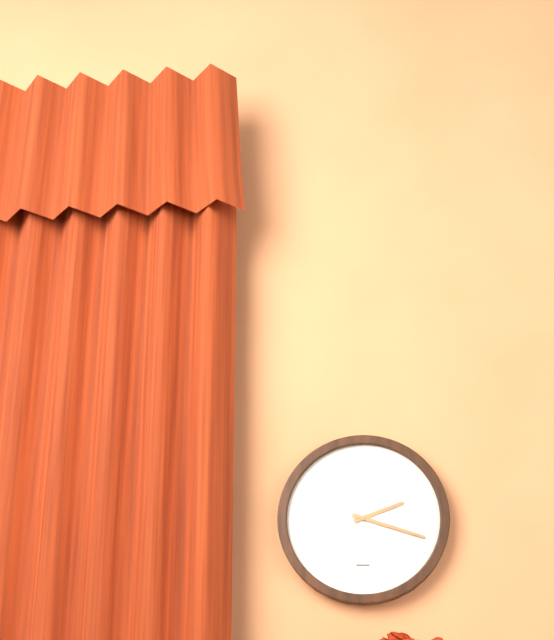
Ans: 2:18
